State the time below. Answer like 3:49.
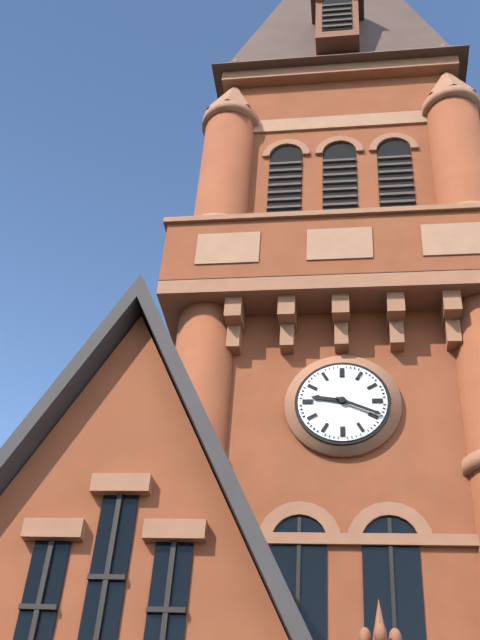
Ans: 9:19
